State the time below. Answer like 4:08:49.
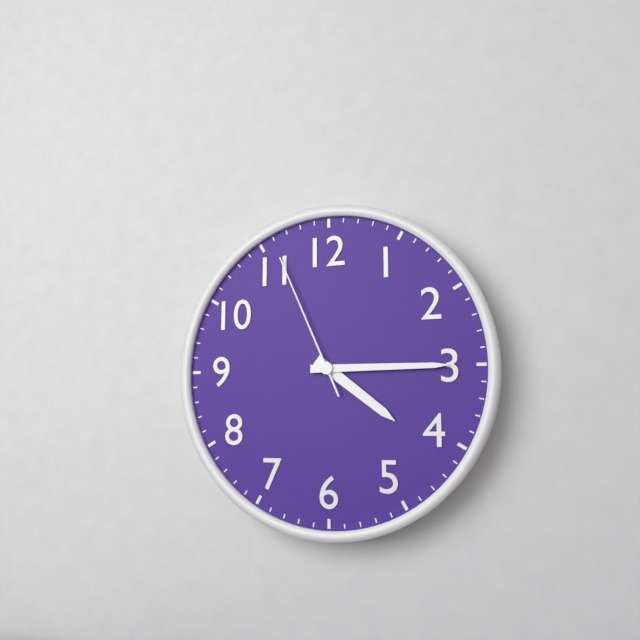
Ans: 4:15:56
